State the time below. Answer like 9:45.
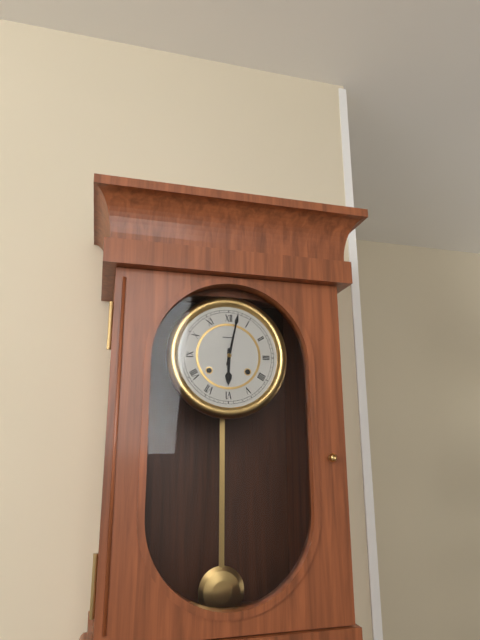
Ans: 6:02
